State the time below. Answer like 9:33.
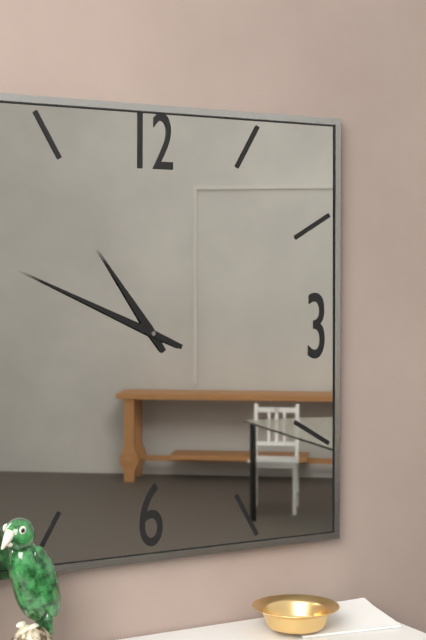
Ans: 10:49
